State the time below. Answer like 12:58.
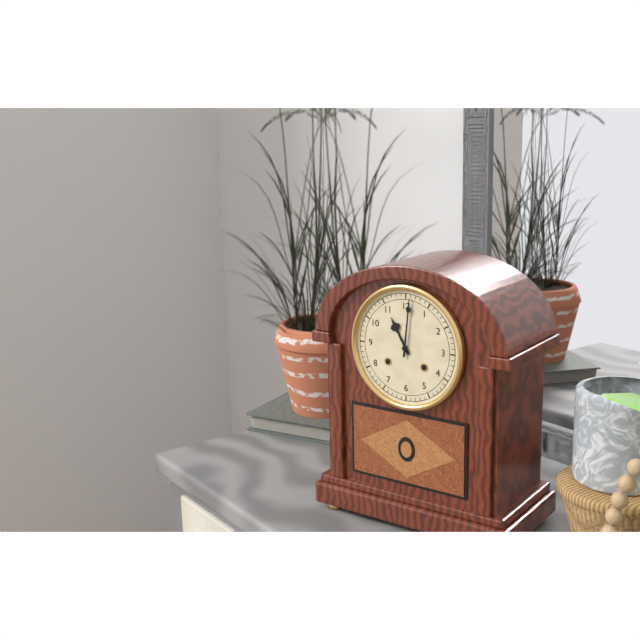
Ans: 11:01
